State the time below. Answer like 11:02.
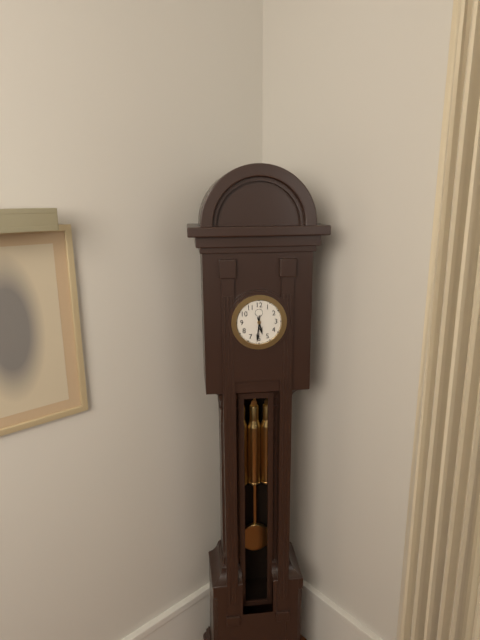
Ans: 5:31
